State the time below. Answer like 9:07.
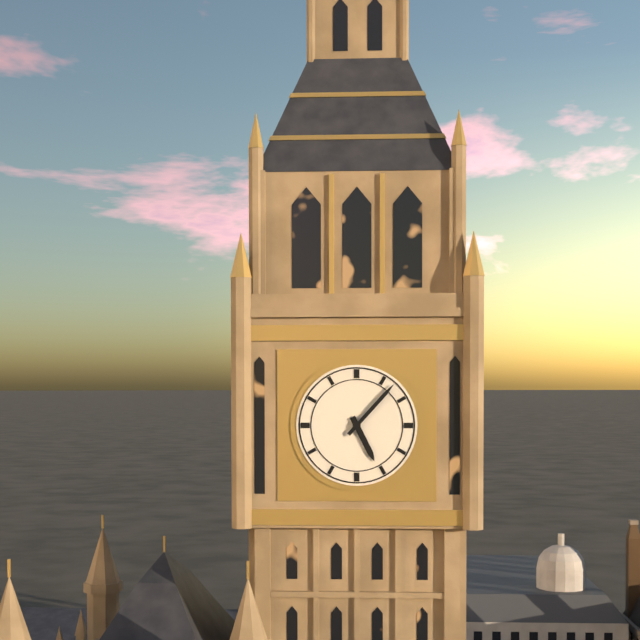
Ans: 5:07
